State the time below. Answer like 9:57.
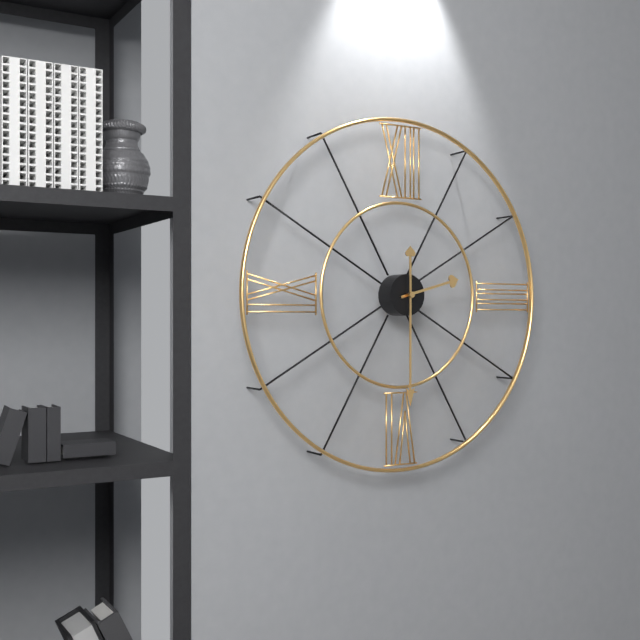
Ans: 2:30
